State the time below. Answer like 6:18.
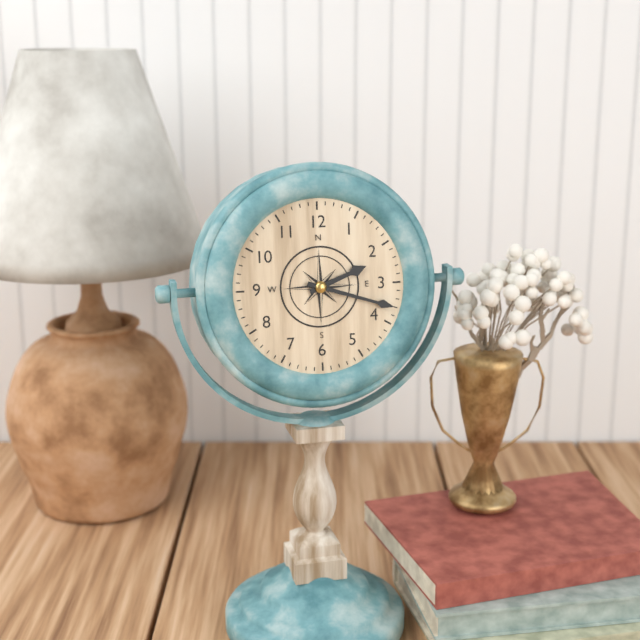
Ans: 2:18
